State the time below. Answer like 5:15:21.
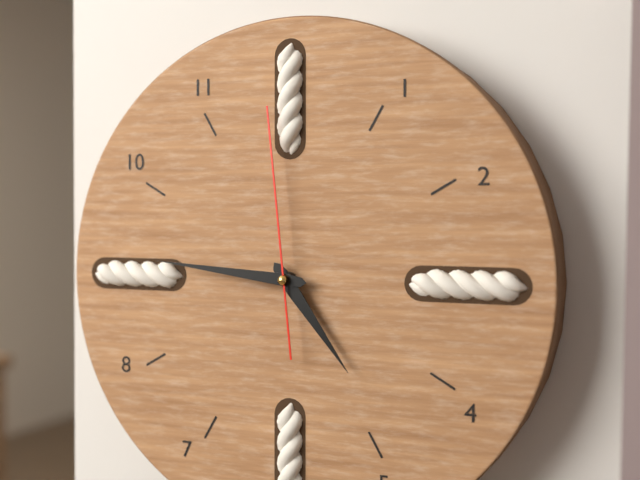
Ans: 4:46:59
